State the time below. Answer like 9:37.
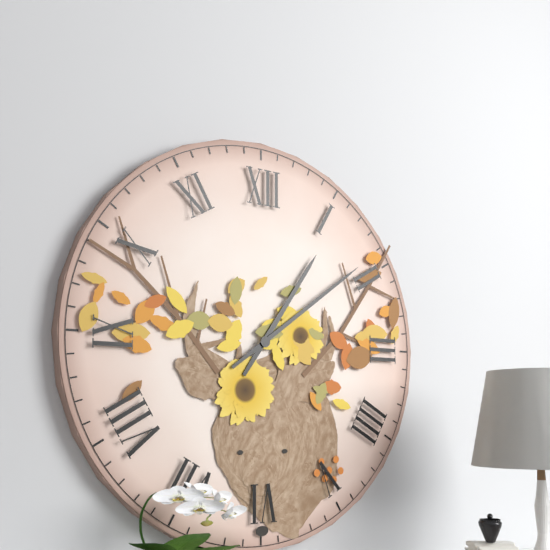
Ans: 1:09
